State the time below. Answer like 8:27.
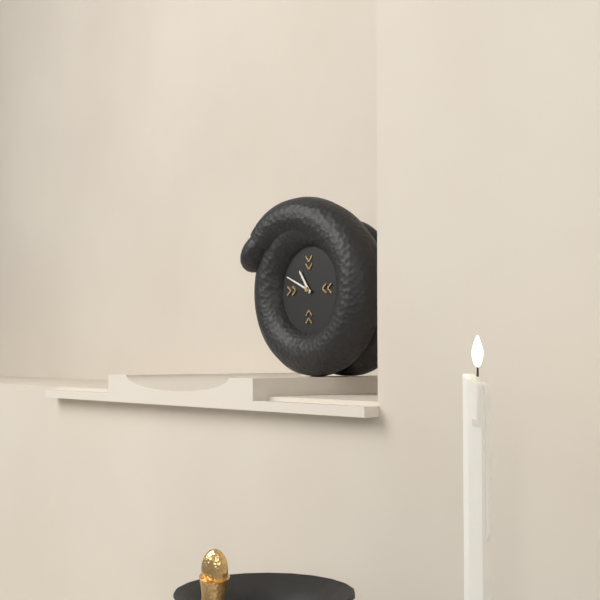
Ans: 10:49
